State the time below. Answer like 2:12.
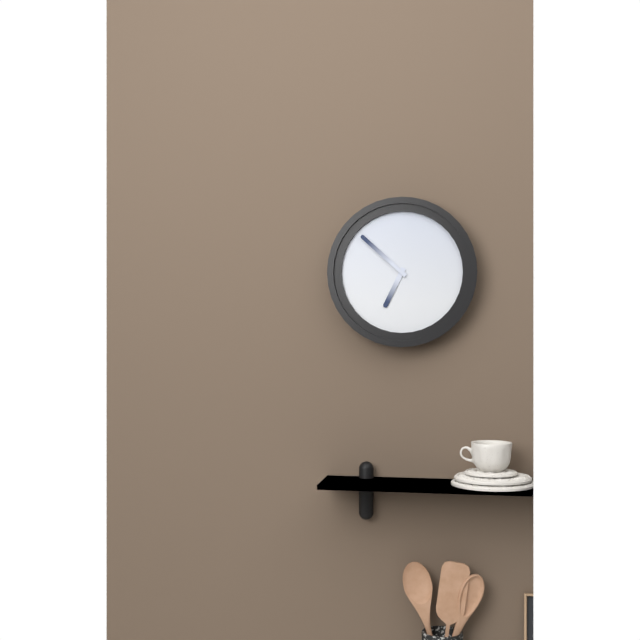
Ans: 6:52
